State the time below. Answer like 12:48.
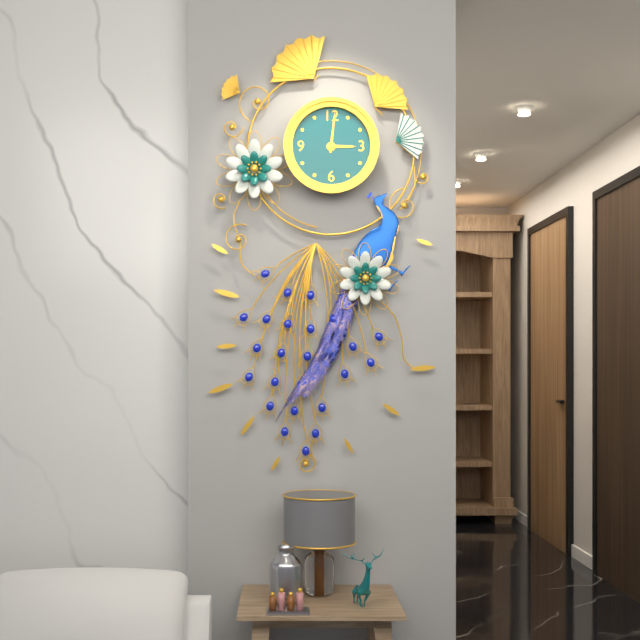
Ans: 3:01
